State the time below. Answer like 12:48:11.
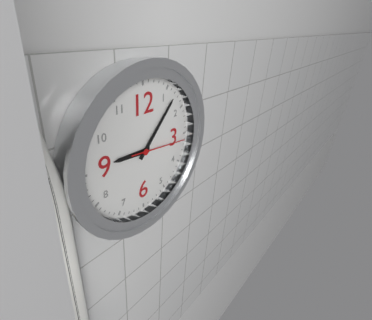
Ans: 9:07:16
